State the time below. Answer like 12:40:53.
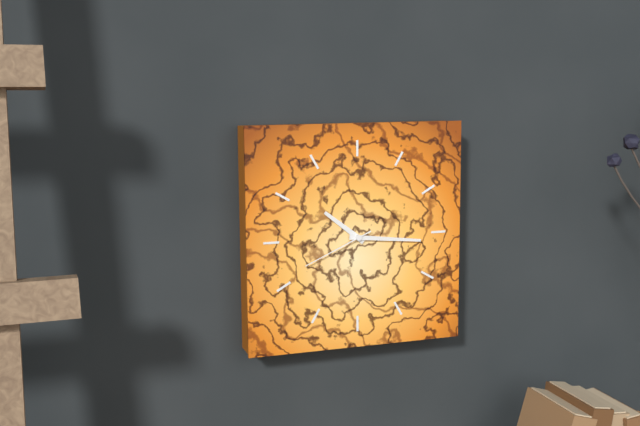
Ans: 10:16:41
